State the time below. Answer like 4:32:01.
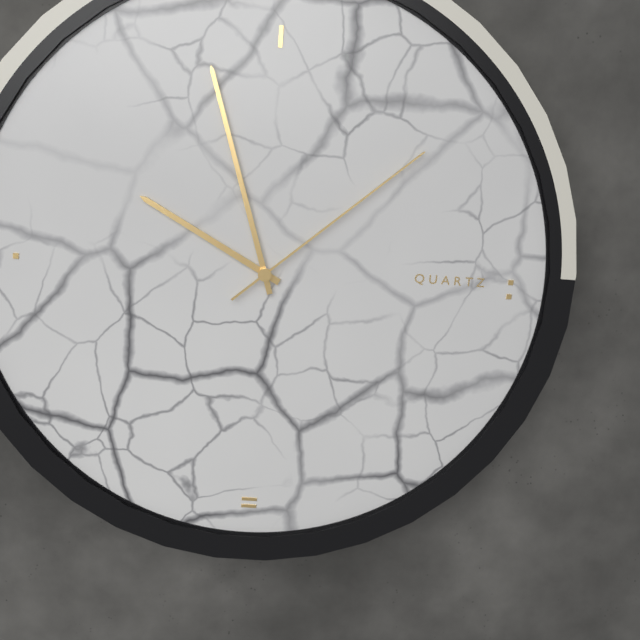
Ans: 9:57:08
